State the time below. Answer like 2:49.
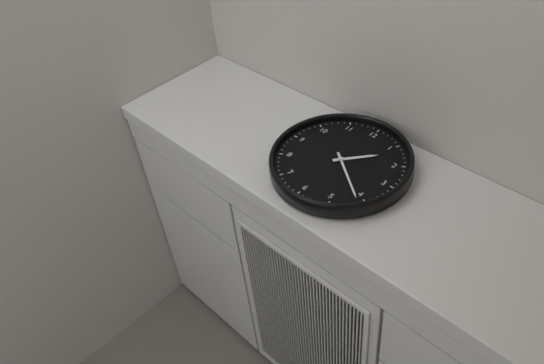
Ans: 1:21
